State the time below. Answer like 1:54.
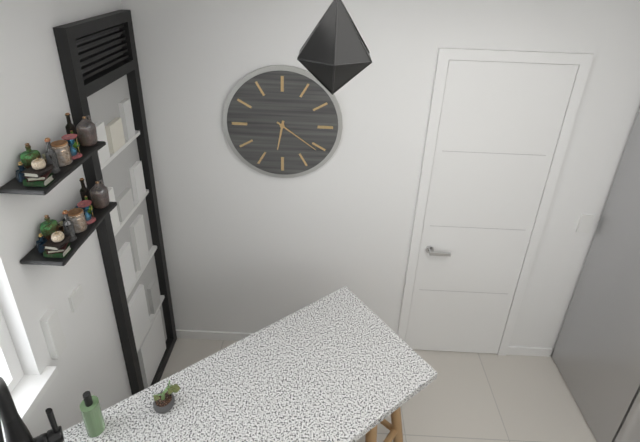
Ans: 6:21
